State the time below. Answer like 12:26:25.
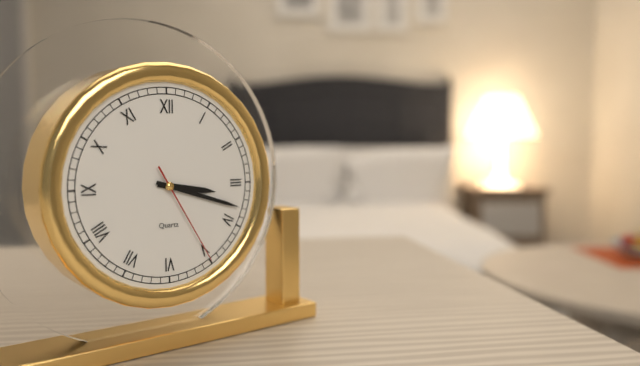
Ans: 3:18:25
